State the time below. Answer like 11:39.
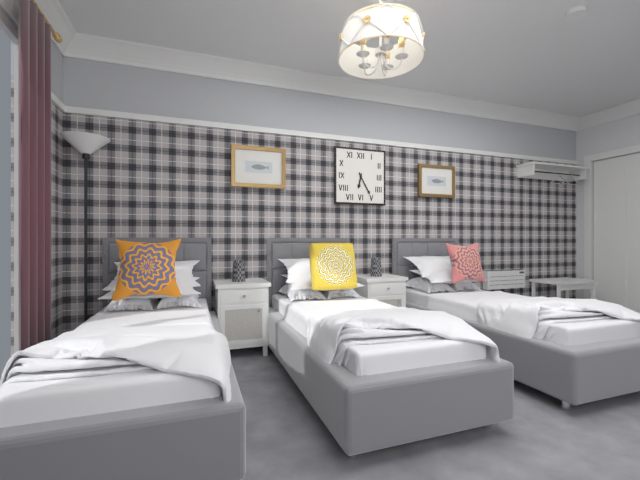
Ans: 6:25
